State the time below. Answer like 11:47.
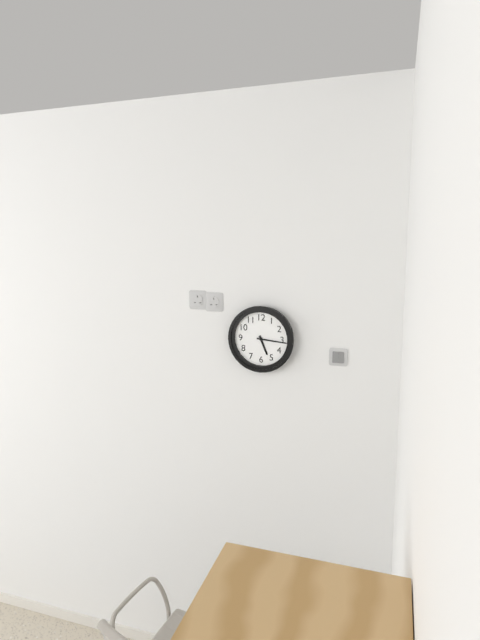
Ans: 5:16
